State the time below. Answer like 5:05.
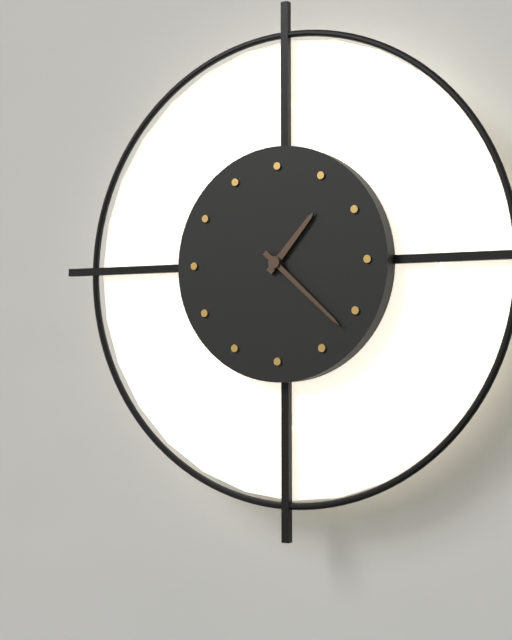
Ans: 1:22
